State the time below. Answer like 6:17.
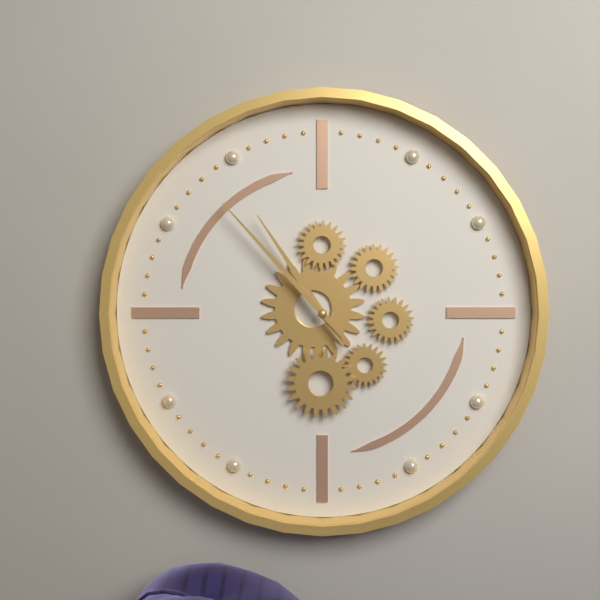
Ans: 10:53
